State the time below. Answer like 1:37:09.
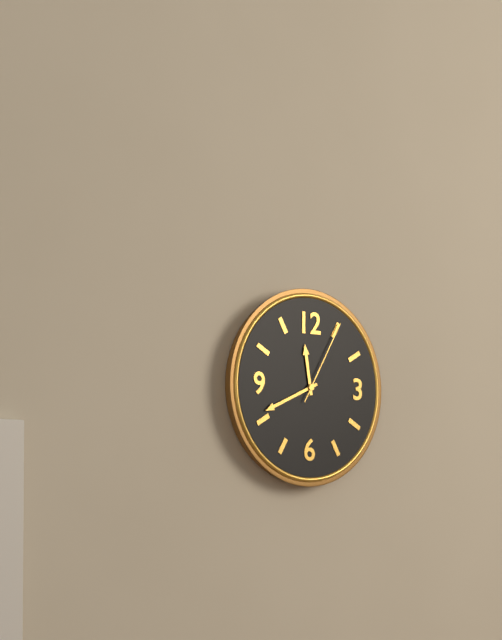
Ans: 11:41:05
